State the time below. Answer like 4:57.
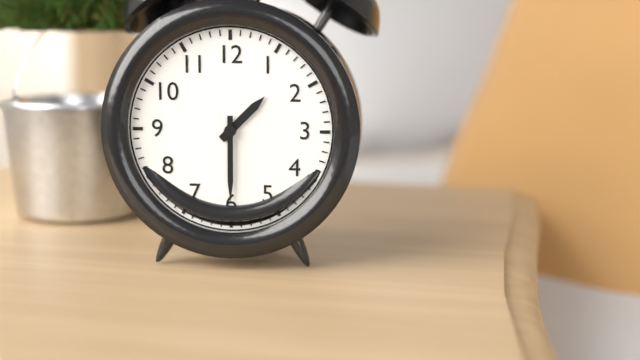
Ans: 1:30
